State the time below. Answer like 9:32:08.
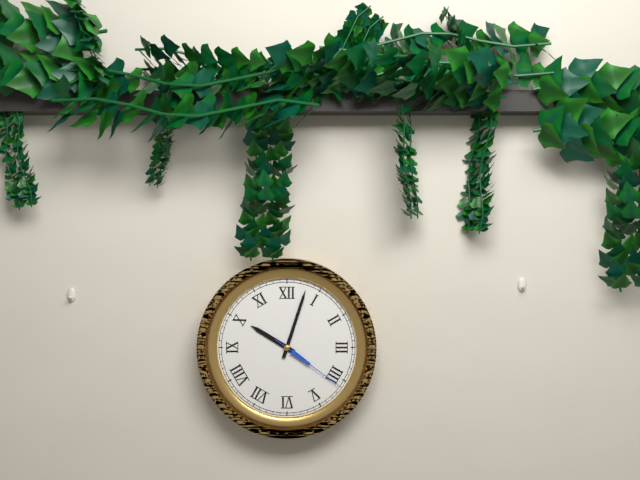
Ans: 10:03:21
